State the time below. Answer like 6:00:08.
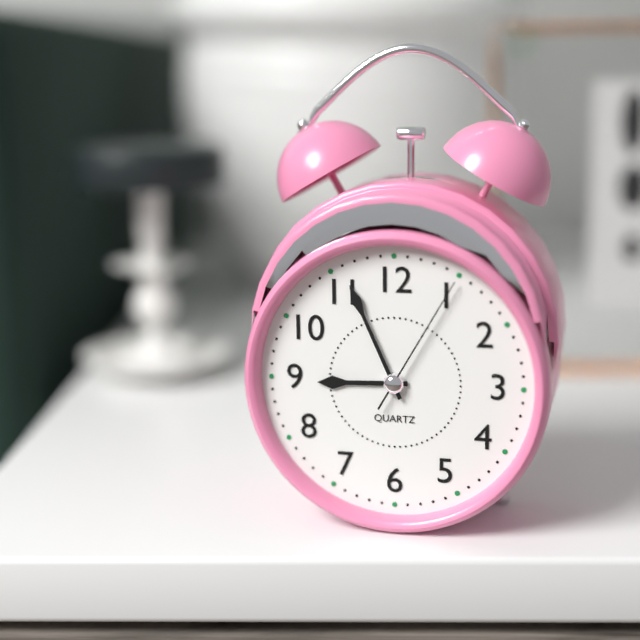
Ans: 8:56:05
